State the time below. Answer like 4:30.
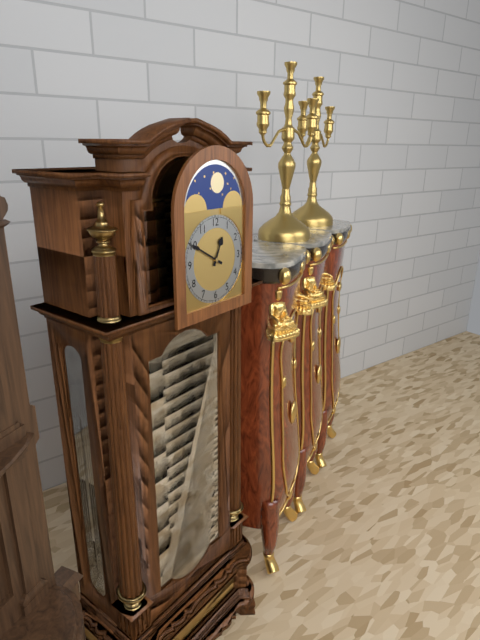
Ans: 12:50
